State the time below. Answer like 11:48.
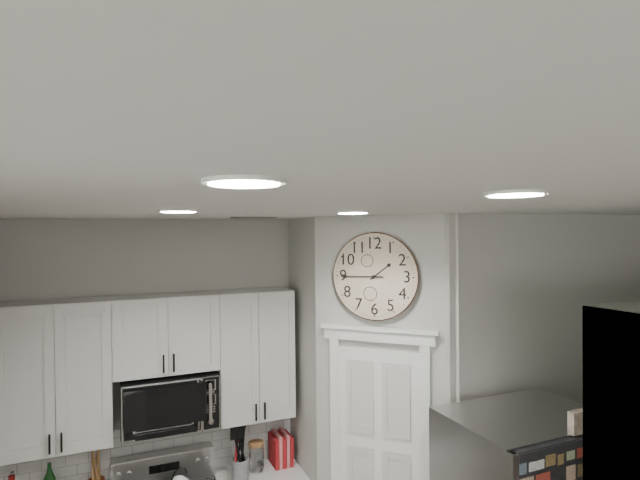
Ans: 1:45
